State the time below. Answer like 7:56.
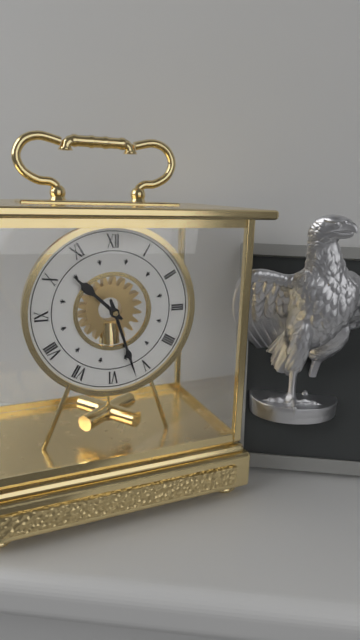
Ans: 10:27
